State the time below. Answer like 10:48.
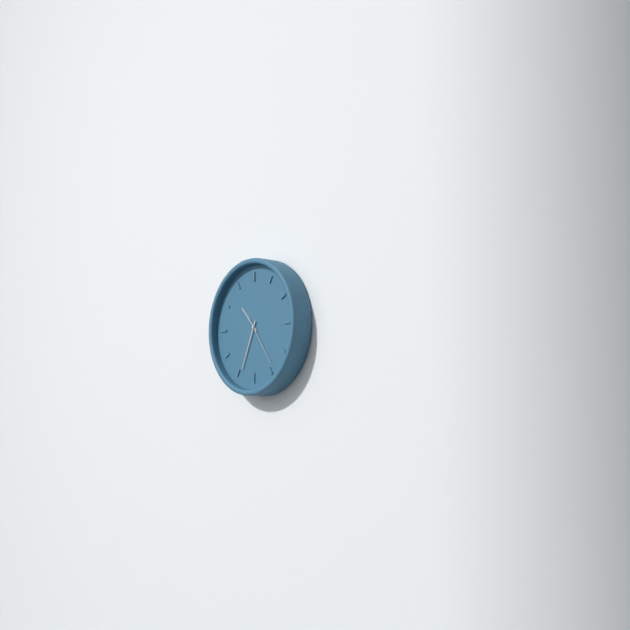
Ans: 10:34
